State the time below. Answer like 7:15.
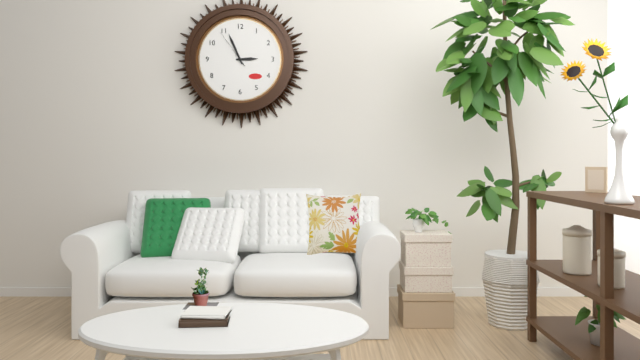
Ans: 2:56
